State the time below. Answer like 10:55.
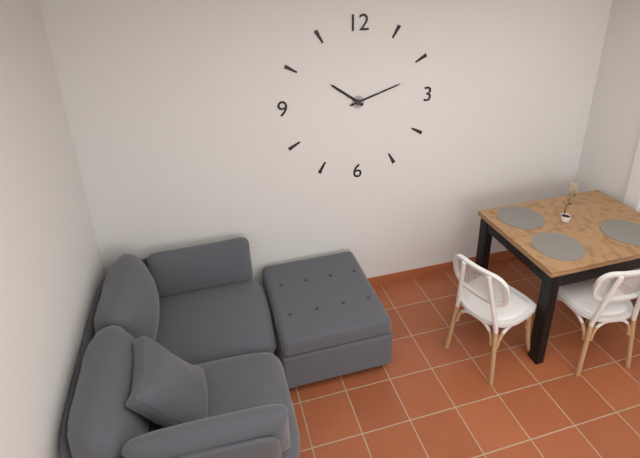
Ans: 10:12
